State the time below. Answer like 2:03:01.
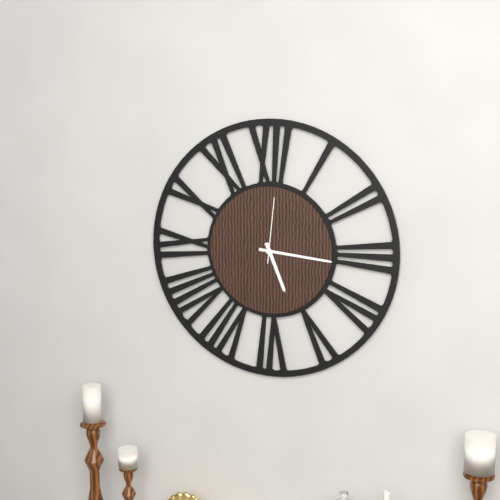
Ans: 5:16:01
